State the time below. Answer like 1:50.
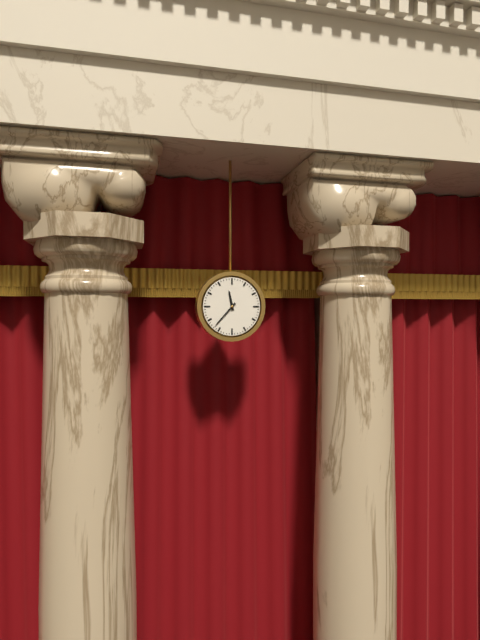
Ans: 11:37
